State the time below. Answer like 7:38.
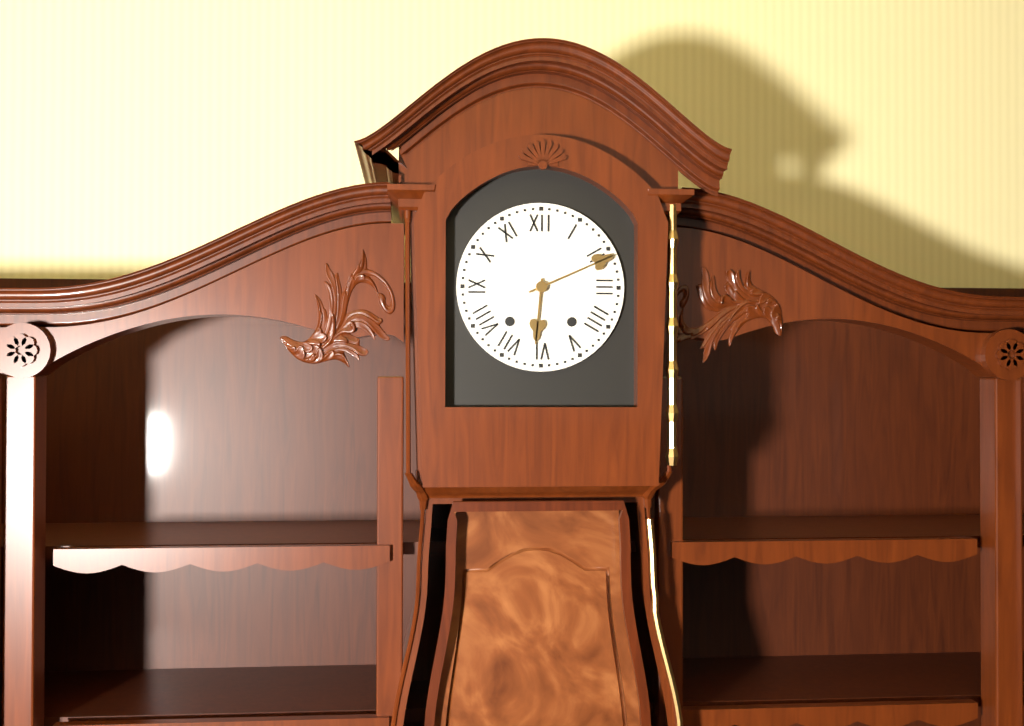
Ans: 6:11
